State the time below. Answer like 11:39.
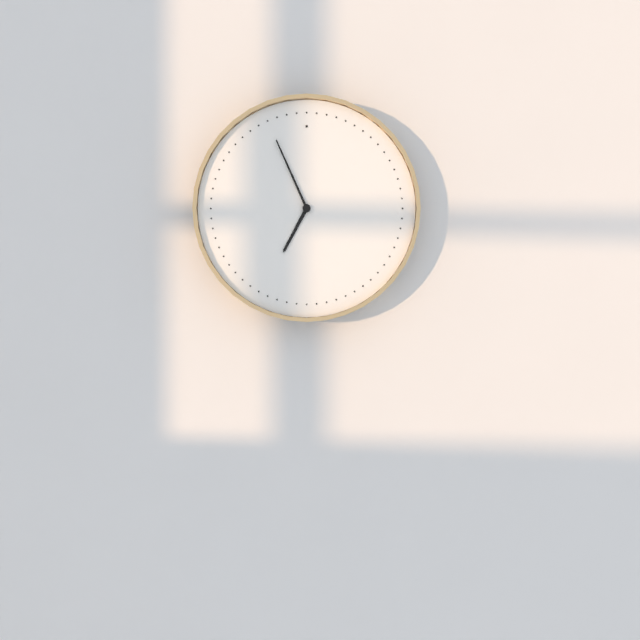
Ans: 6:56
